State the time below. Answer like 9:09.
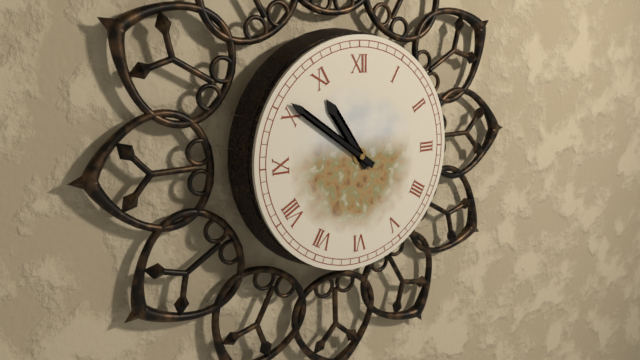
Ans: 10:51
